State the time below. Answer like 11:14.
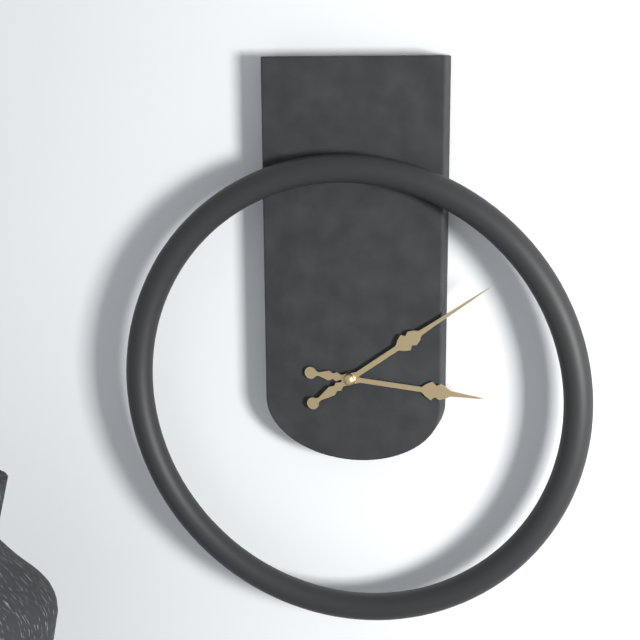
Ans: 3:09
